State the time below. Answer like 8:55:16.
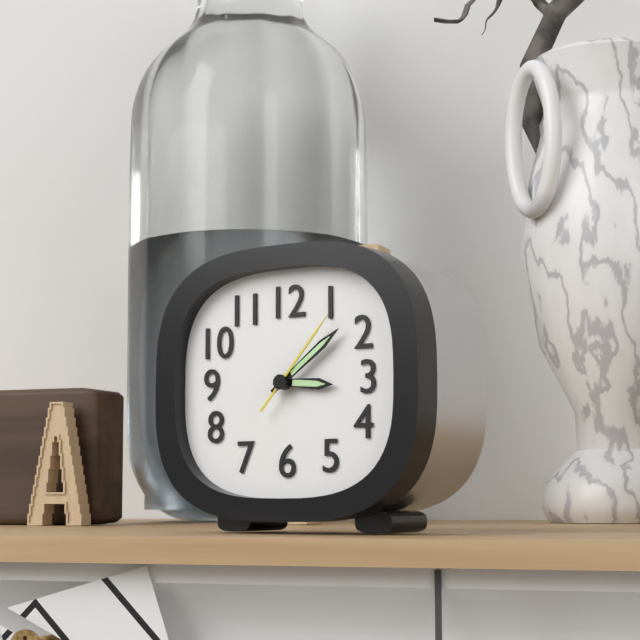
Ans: 3:09:07
